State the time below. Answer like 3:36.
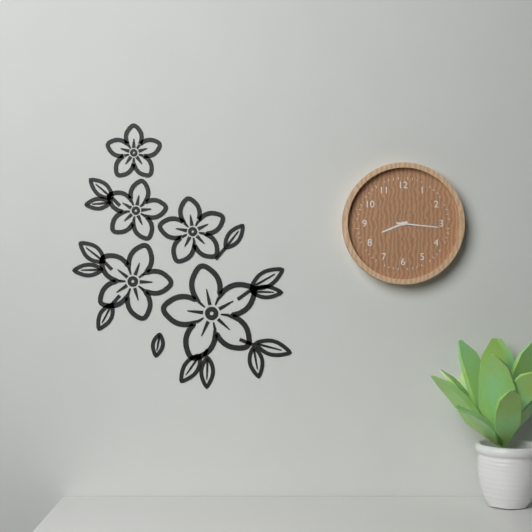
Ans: 8:16
